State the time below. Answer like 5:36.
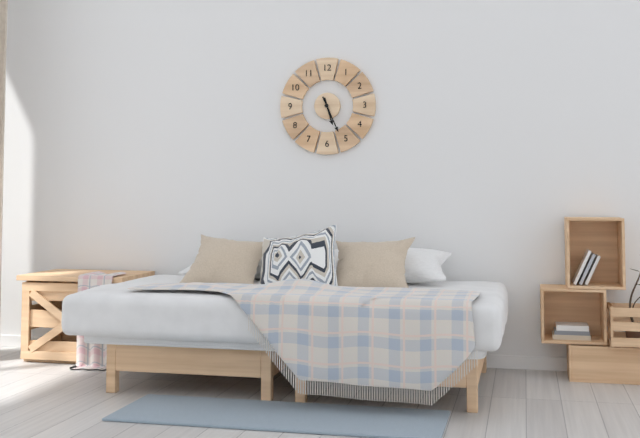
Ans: 5:26
